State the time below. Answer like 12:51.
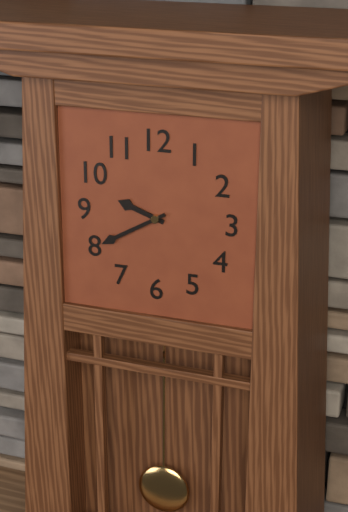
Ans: 9:40
